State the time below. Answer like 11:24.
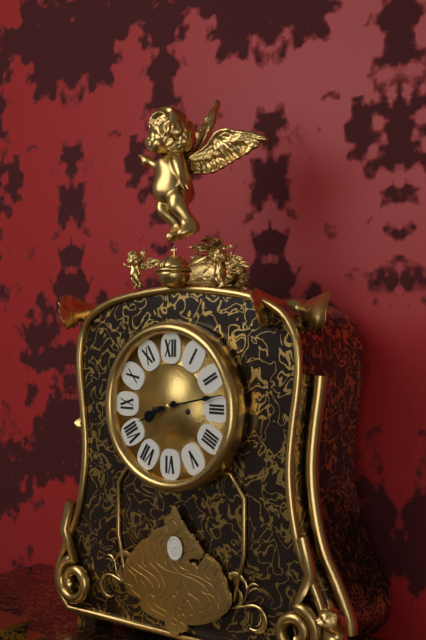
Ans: 8:13
